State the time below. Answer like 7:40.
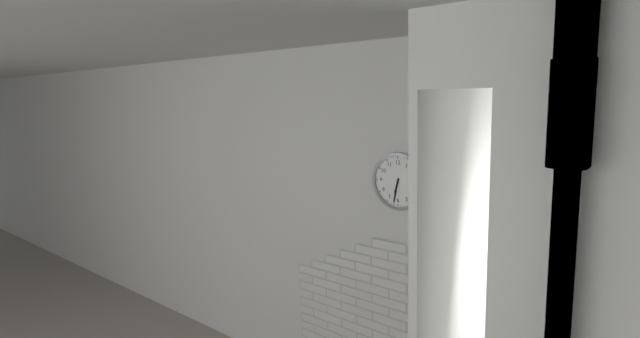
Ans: 6:32
